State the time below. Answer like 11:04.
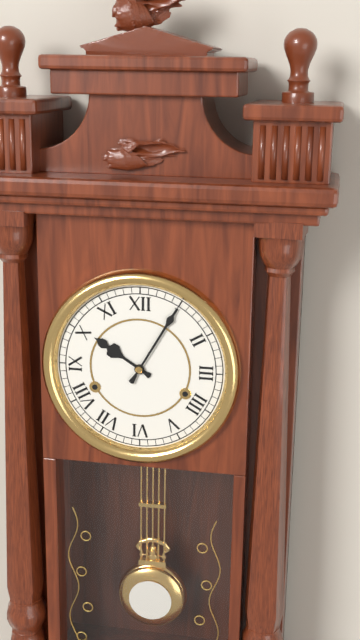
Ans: 10:05
